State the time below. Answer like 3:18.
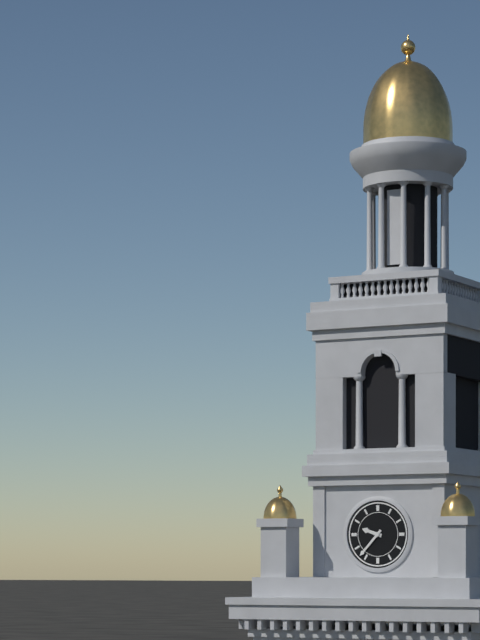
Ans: 9:37
